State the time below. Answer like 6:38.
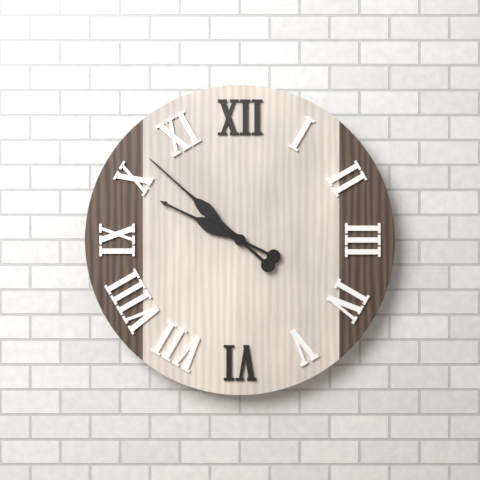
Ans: 9:52
